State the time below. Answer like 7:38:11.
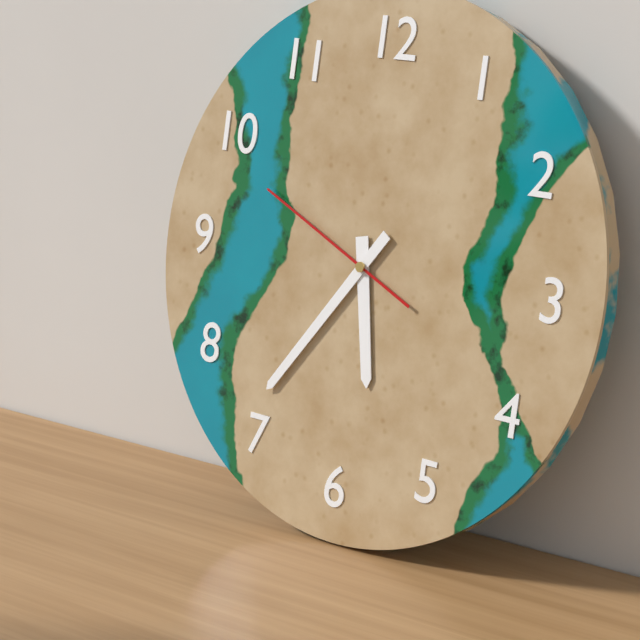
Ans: 5:36:49
